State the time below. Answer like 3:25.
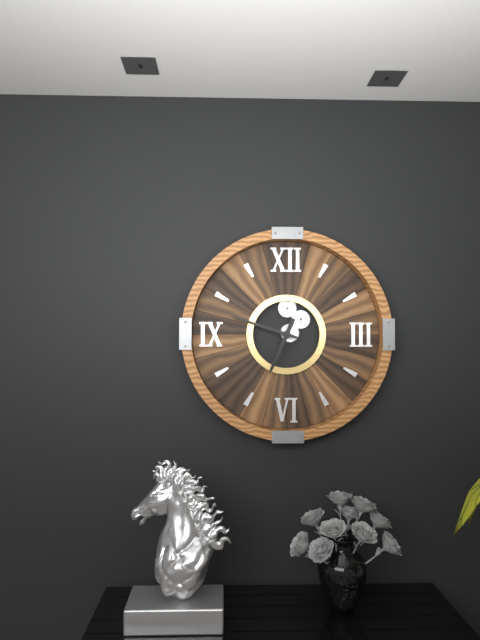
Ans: 6:48
